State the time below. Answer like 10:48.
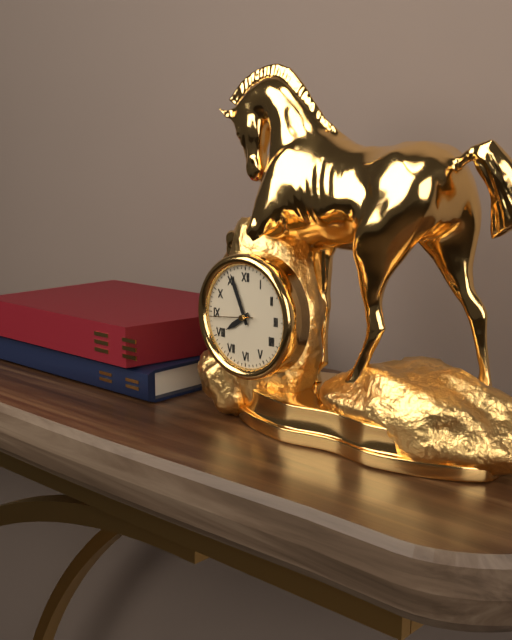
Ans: 7:56
